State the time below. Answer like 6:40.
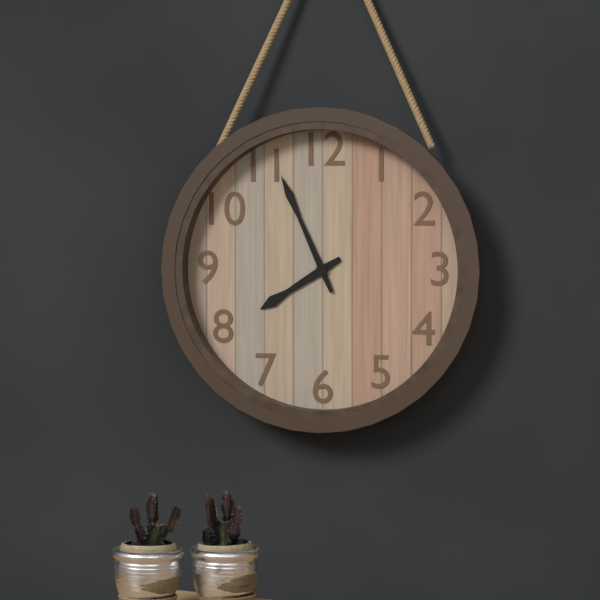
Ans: 7:56
